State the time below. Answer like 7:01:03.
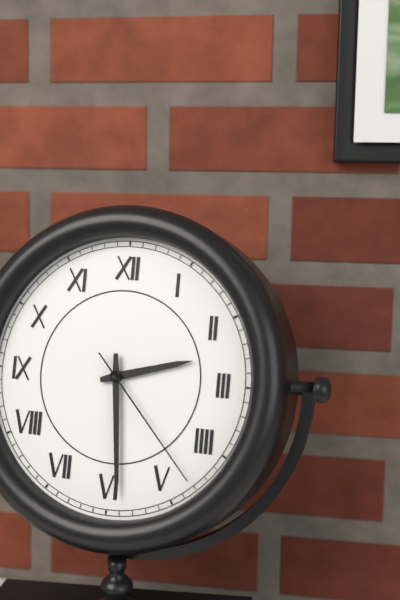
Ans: 2:29:23
